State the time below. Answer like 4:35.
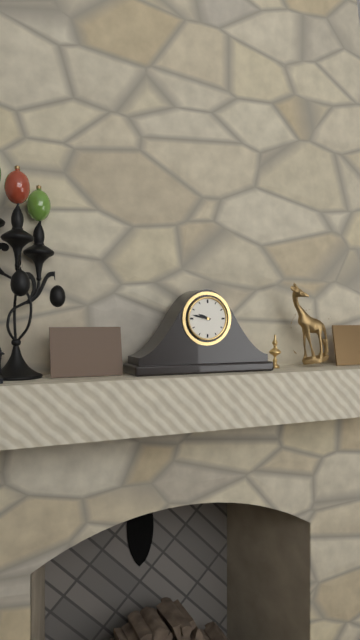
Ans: 9:47
